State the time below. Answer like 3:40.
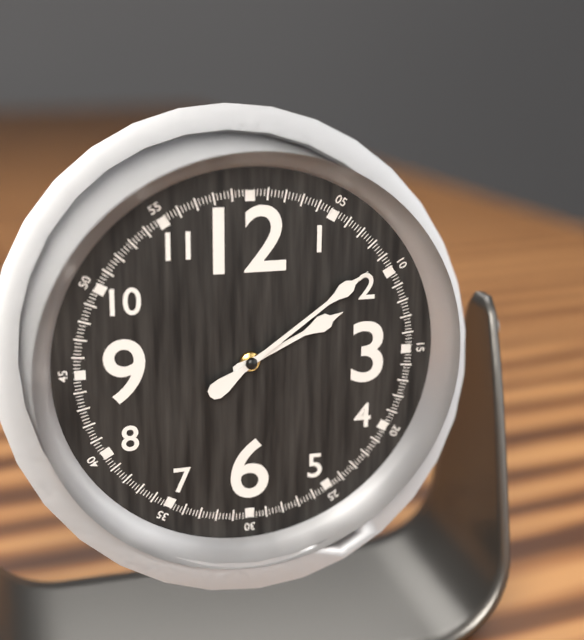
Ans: 2:09
